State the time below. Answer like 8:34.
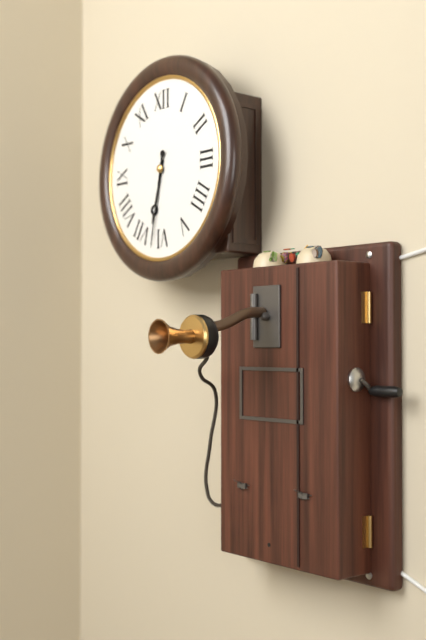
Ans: 6:32
